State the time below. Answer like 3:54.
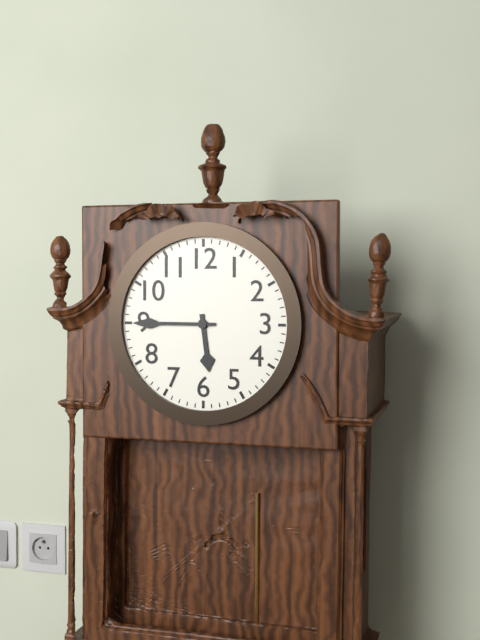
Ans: 5:45
